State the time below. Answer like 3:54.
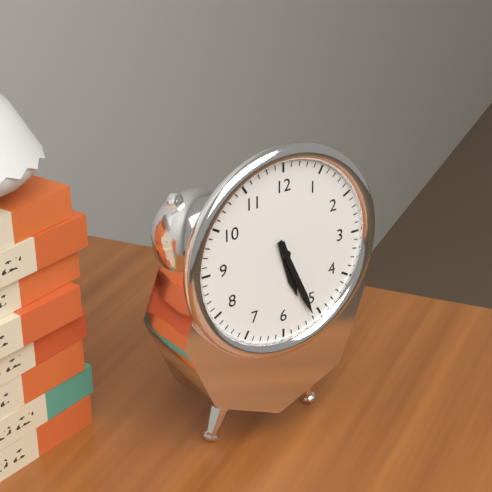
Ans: 5:26
